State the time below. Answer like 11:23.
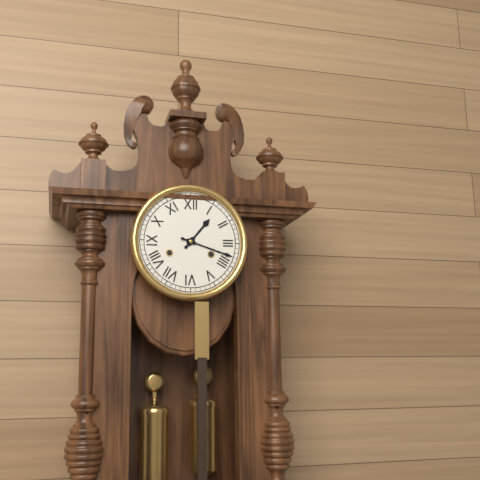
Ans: 1:18
